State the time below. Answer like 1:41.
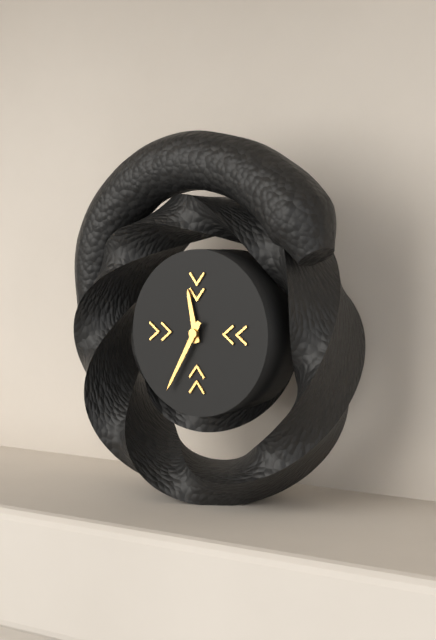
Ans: 11:35
